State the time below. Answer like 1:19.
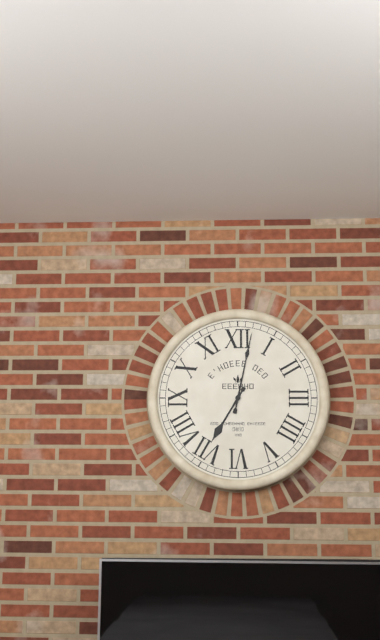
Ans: 7:02
